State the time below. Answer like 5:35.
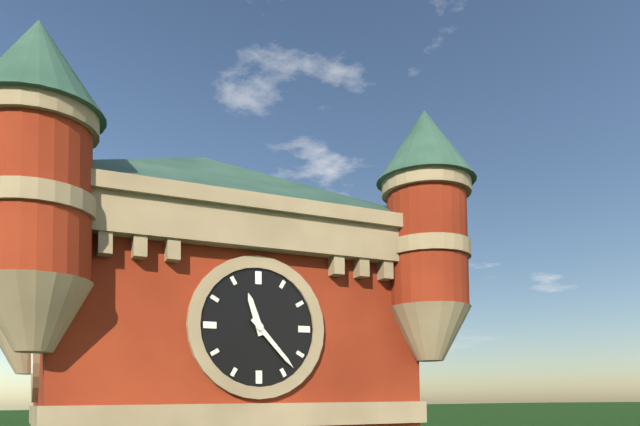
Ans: 11:23
